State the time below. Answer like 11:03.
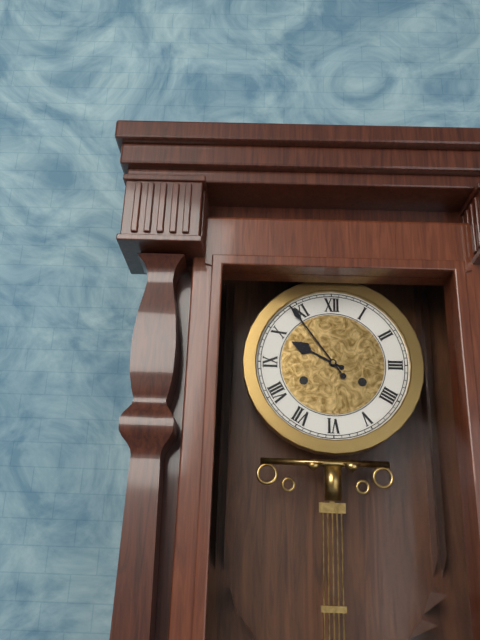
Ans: 9:54
